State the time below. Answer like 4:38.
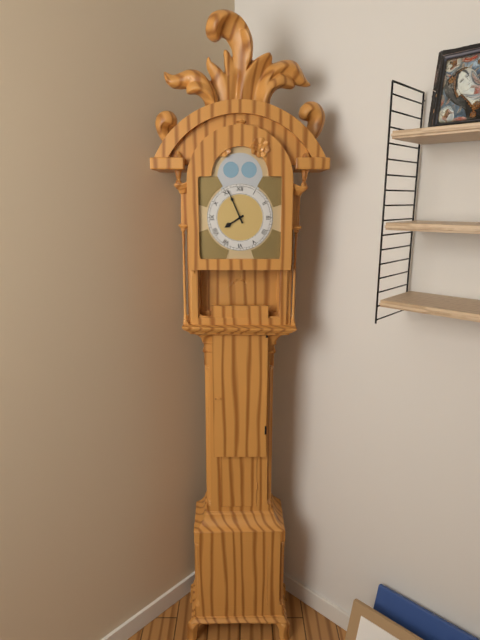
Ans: 7:56
